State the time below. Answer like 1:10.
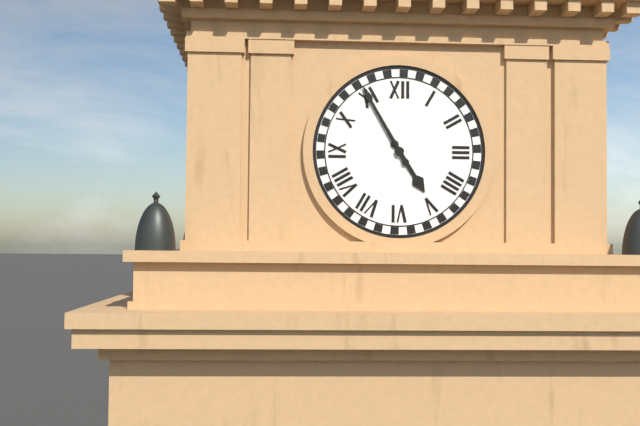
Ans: 4:55
